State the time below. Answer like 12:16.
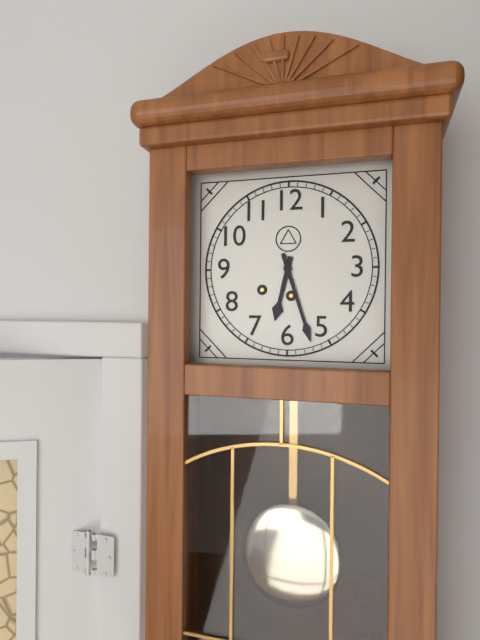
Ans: 6:27
